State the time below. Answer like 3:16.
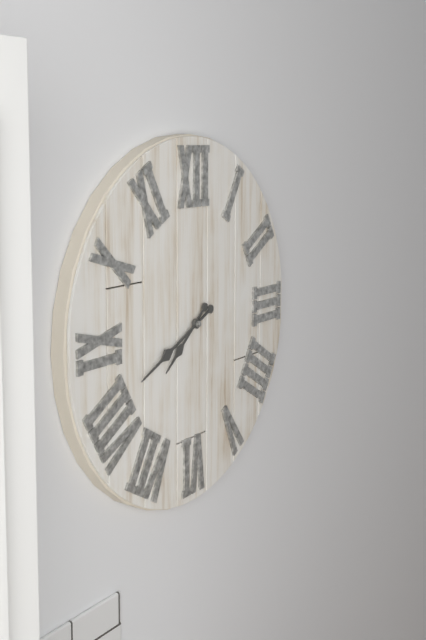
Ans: 7:41
